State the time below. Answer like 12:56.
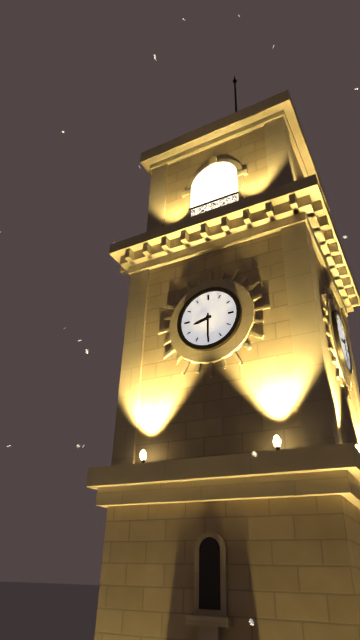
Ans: 8:30
